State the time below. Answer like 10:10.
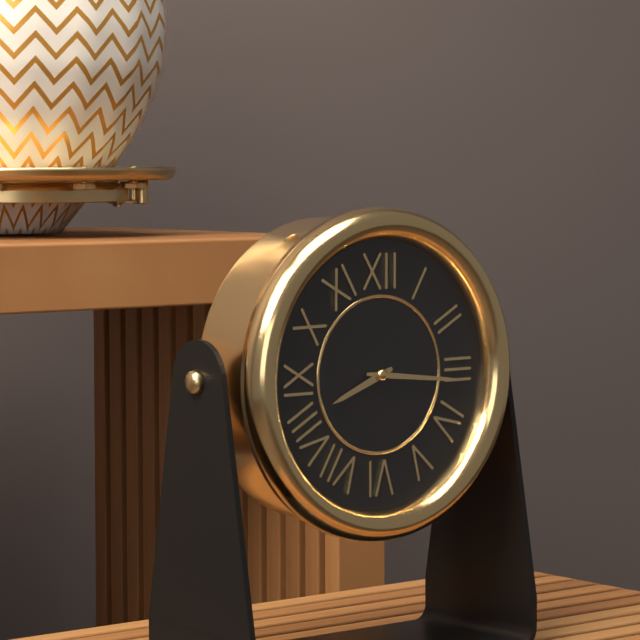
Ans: 8:16
